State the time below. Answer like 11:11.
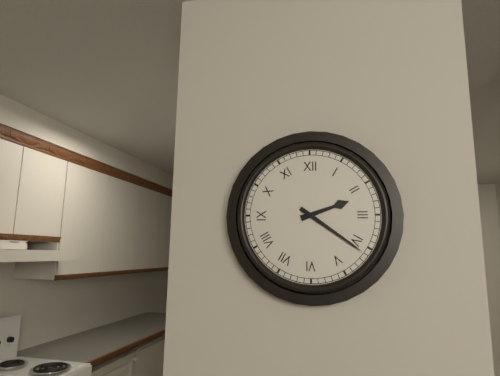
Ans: 2:21
